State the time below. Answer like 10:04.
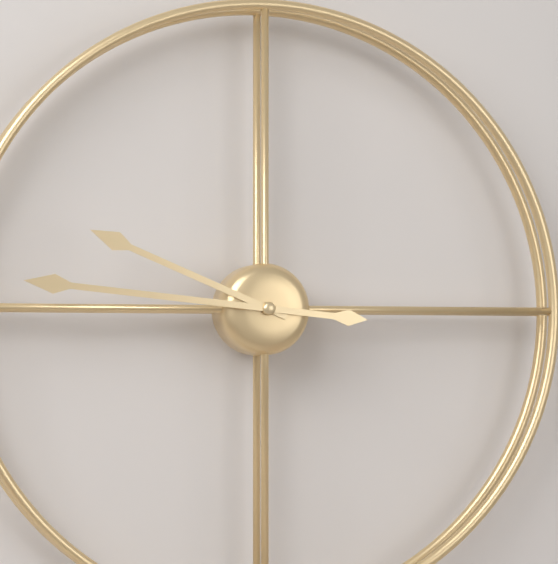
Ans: 9:46
